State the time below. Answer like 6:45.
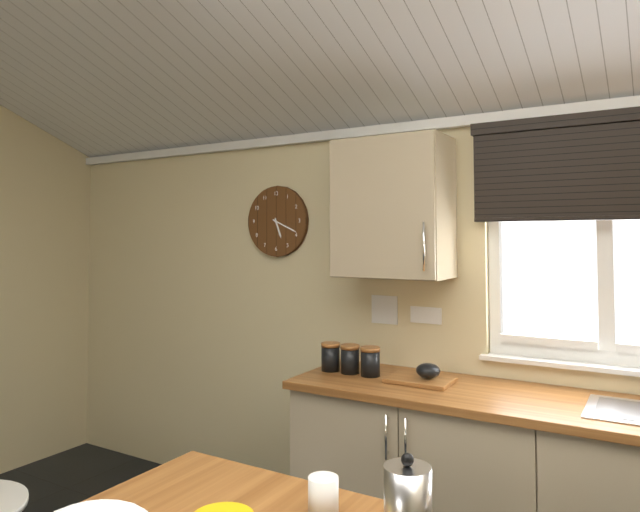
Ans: 5:19
